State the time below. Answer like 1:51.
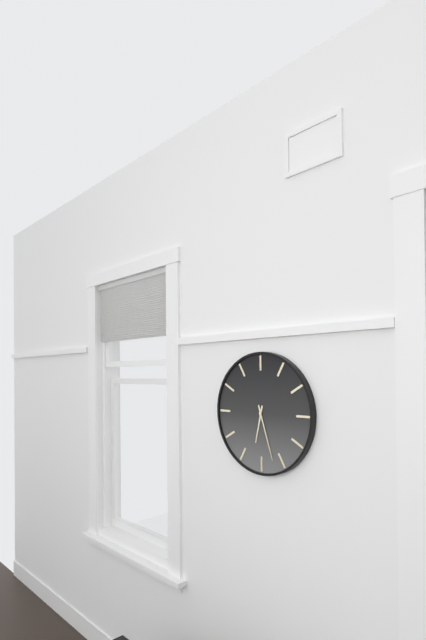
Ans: 6:27
